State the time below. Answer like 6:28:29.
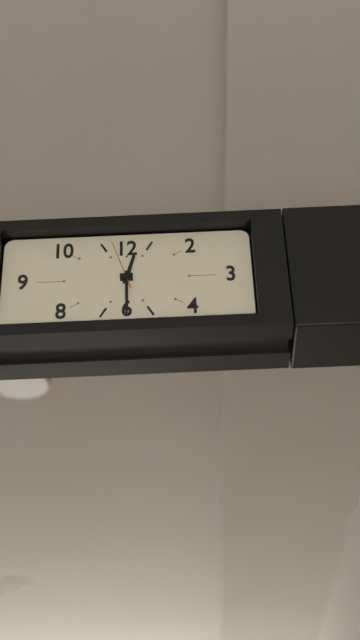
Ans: 12:30:57
